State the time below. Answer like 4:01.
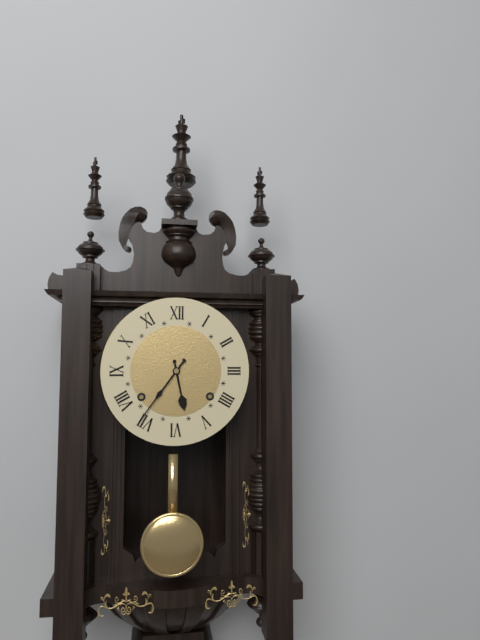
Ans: 5:36
